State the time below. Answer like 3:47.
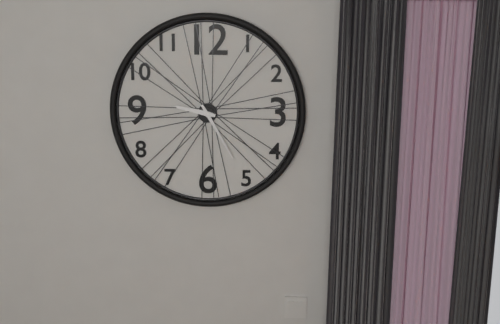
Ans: 9:25
